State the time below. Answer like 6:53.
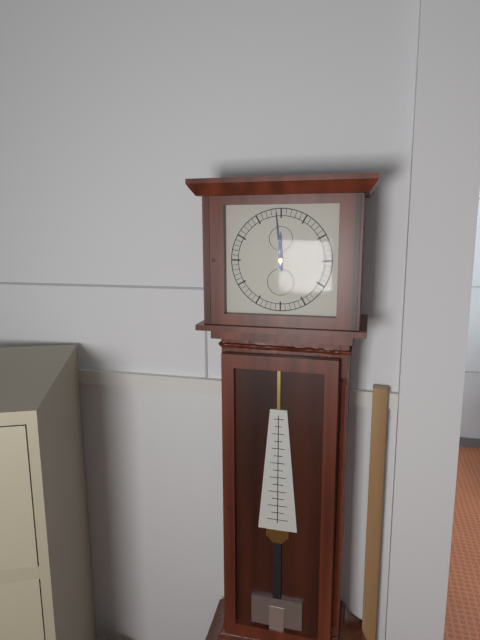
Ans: 11:59
